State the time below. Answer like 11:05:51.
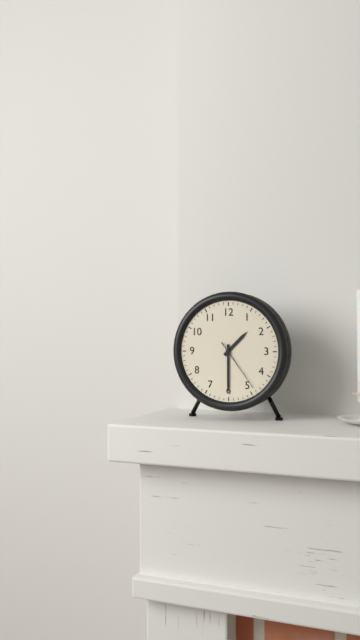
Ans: 1:30:24
